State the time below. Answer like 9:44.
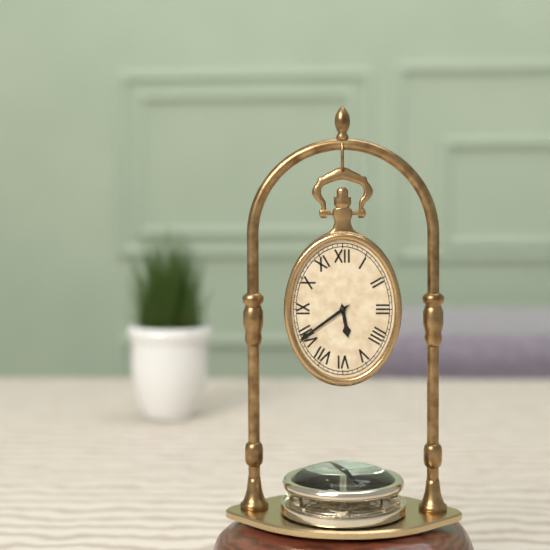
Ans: 5:39
